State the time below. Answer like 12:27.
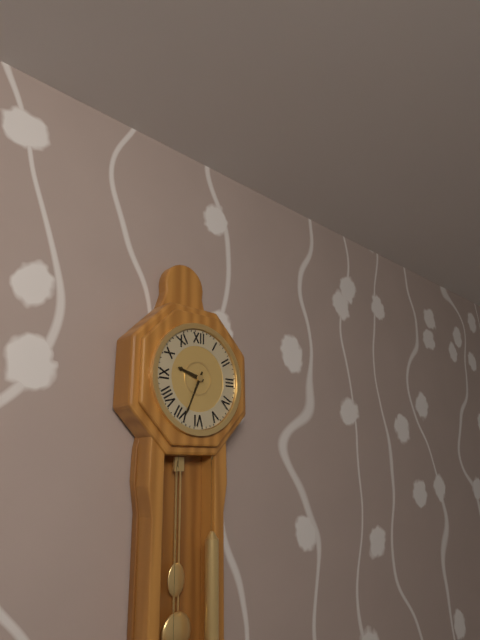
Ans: 9:34
